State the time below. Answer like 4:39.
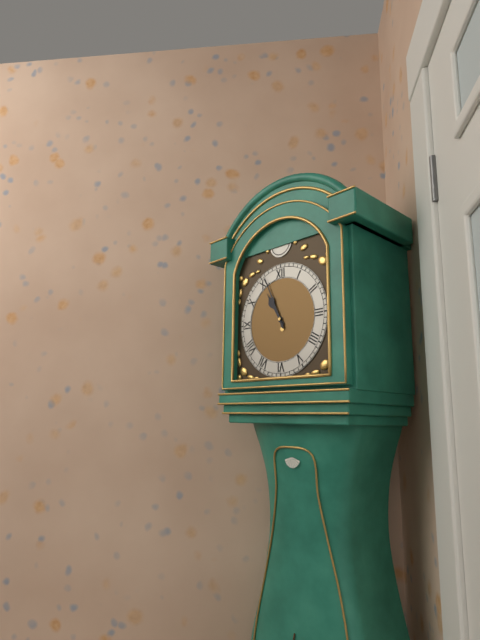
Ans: 10:56
